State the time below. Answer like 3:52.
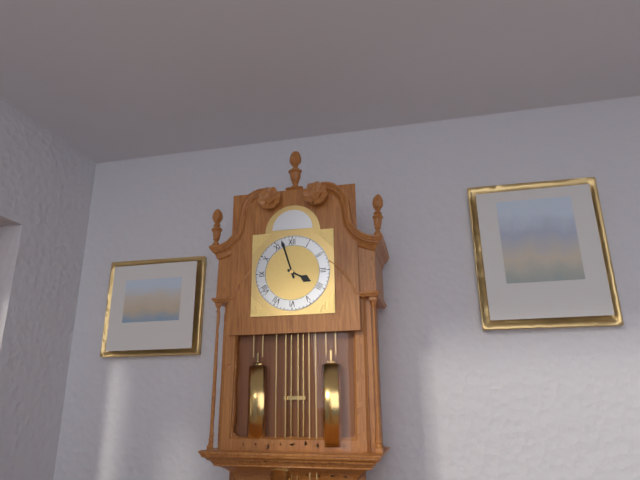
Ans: 3:57
